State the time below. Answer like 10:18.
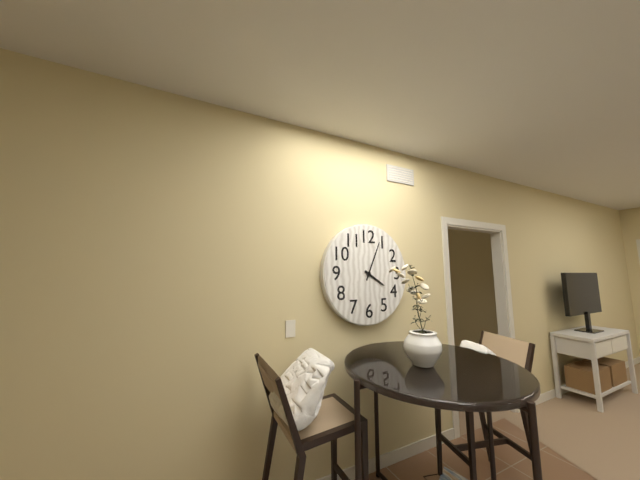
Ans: 4:04
